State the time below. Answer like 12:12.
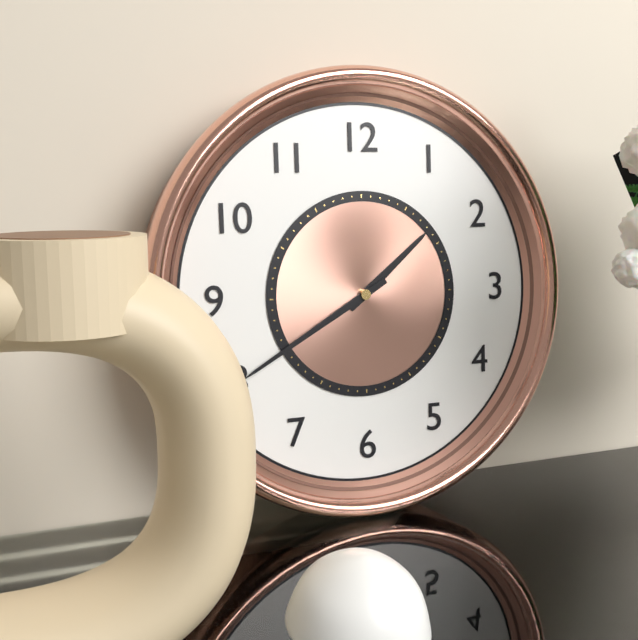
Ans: 1:40
